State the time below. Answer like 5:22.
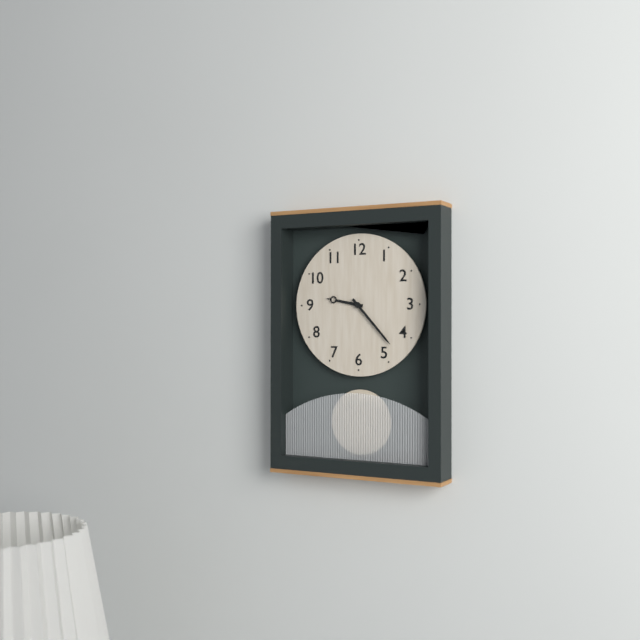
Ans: 9:23
